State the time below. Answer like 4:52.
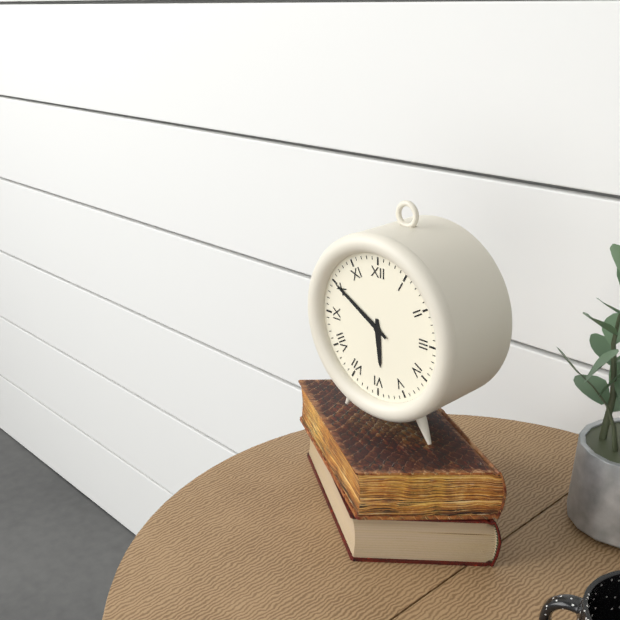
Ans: 5:50
